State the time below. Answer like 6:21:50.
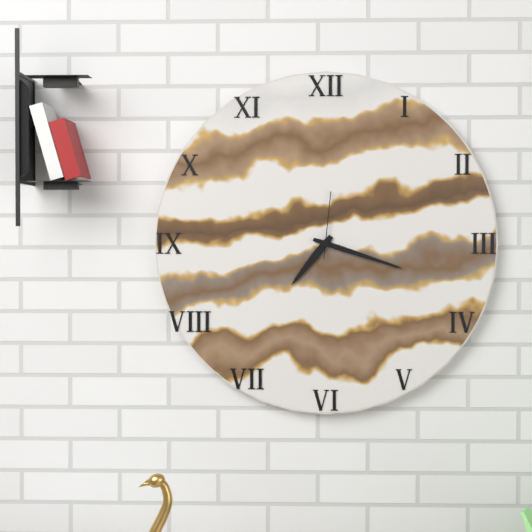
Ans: 7:18:01
